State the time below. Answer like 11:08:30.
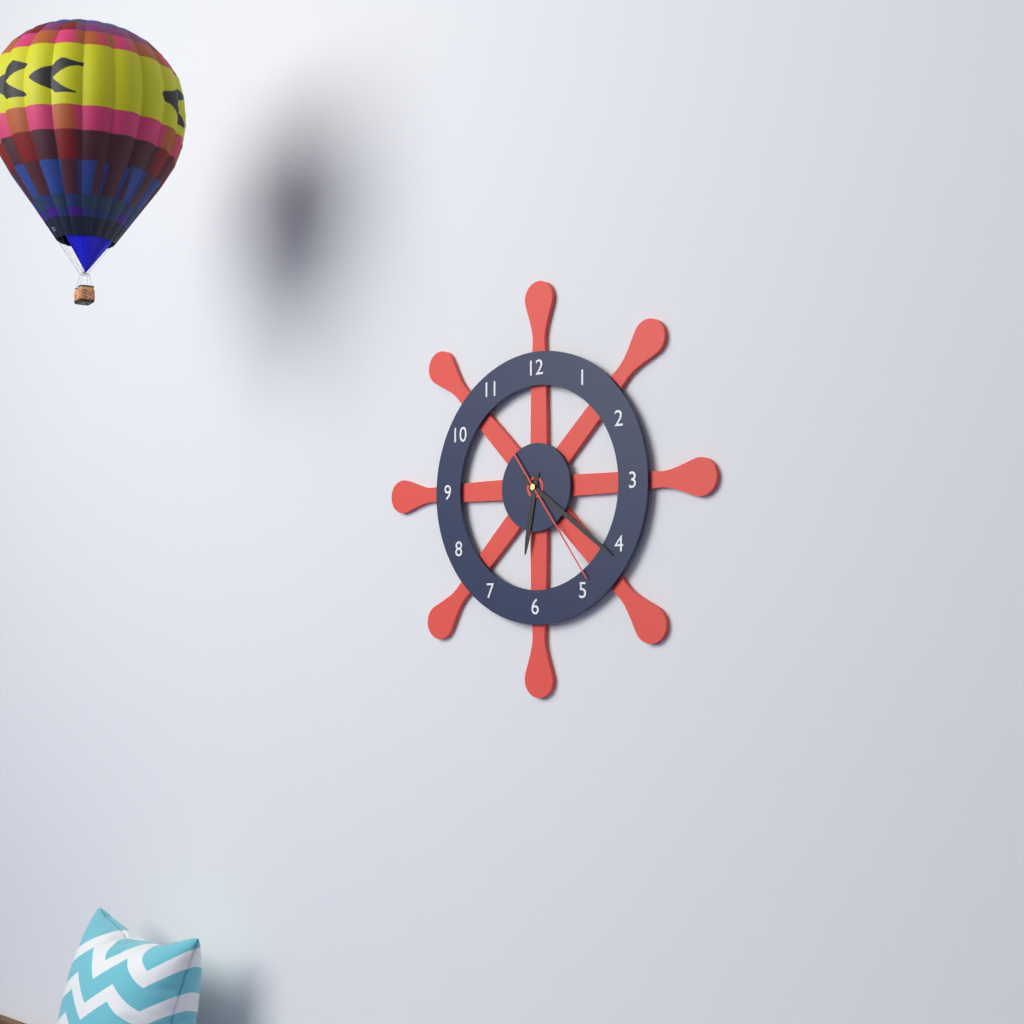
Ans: 6:21:24
